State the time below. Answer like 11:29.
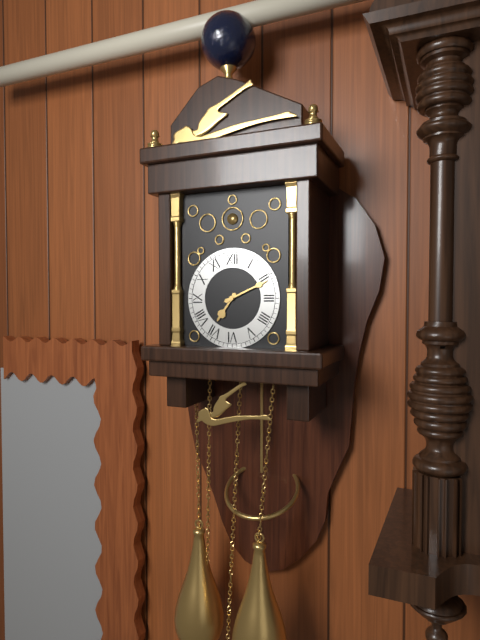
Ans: 7:11
